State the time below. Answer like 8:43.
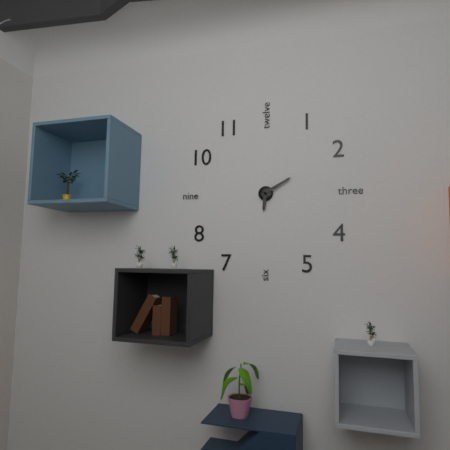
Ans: 6:10
